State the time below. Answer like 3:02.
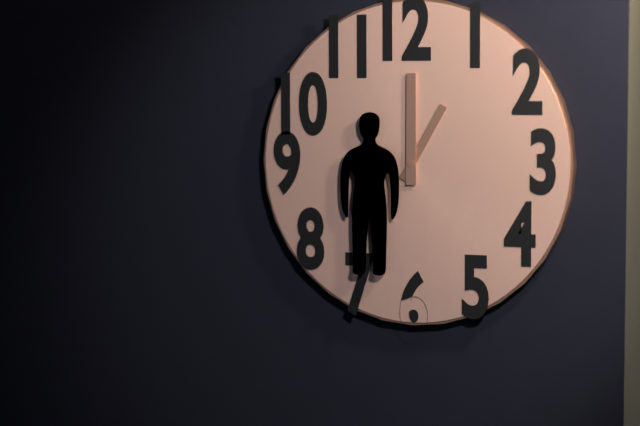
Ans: 1:00
